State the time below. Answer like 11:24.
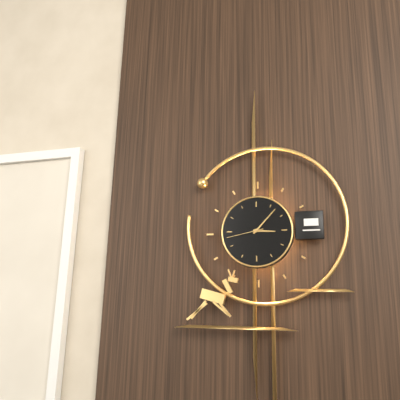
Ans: 3:07
